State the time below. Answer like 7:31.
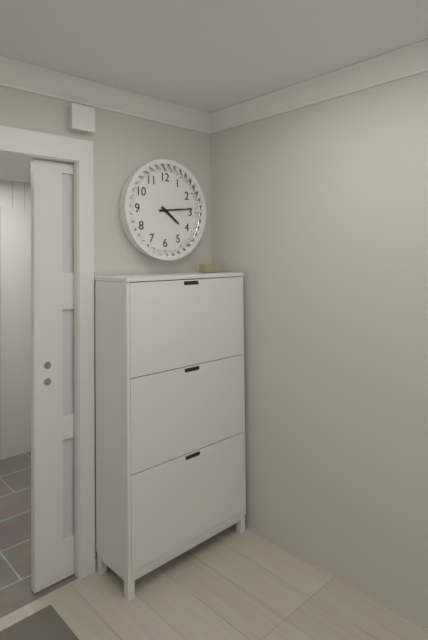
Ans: 4:14
